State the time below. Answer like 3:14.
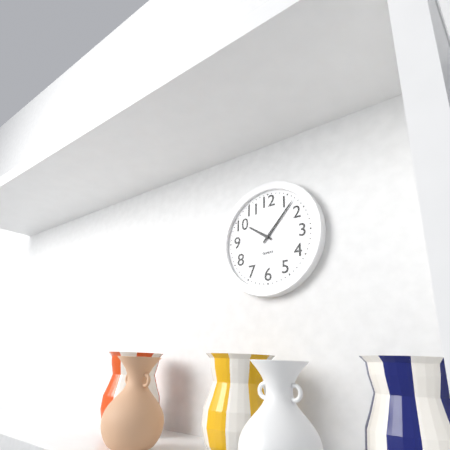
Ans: 10:07
